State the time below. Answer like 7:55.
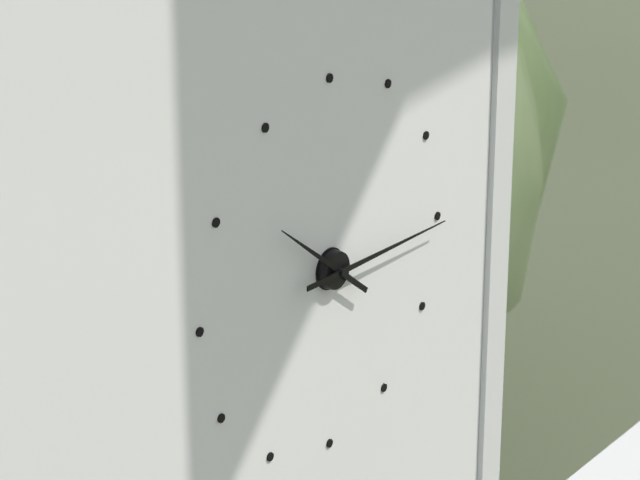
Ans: 10:15
